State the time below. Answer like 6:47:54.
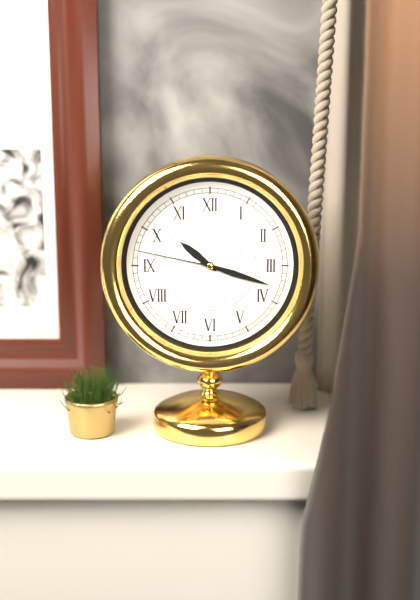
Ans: 10:18:47
